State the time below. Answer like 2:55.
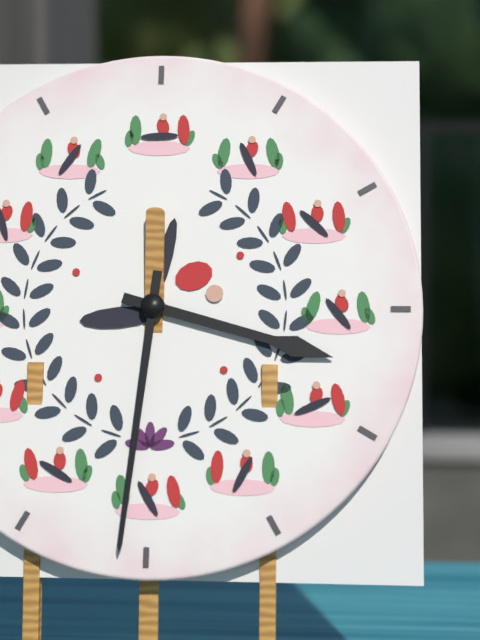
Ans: 3:31
